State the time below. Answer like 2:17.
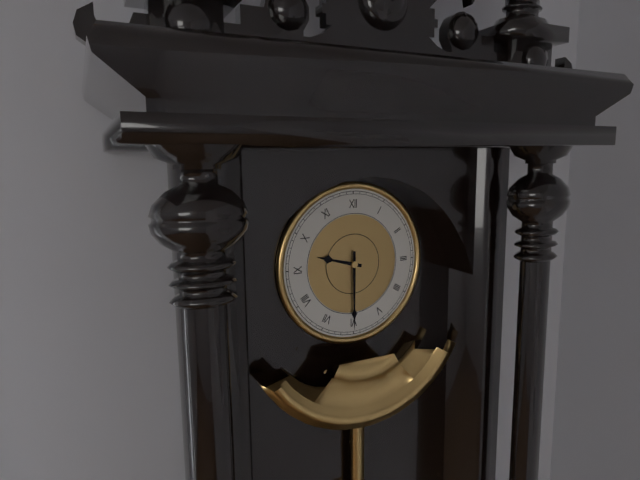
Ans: 9:30
